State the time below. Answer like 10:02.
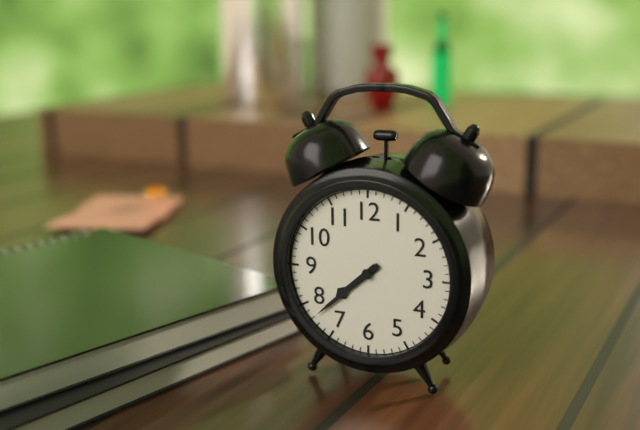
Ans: 7:38
